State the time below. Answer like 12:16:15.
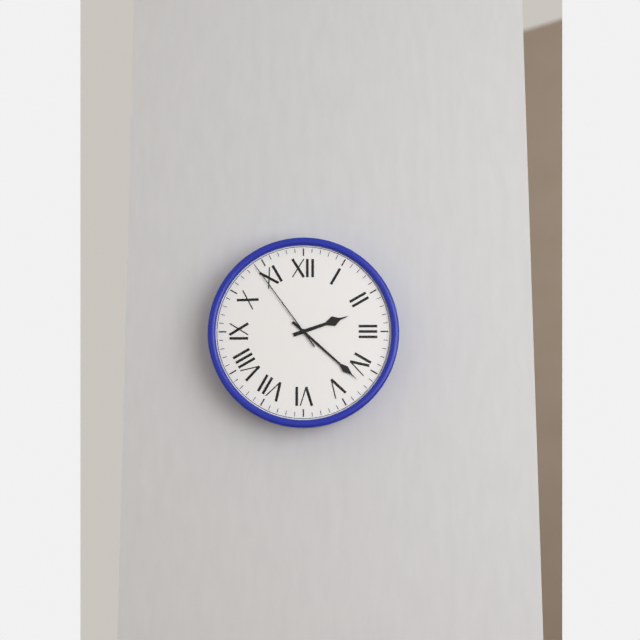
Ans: 2:22:54
